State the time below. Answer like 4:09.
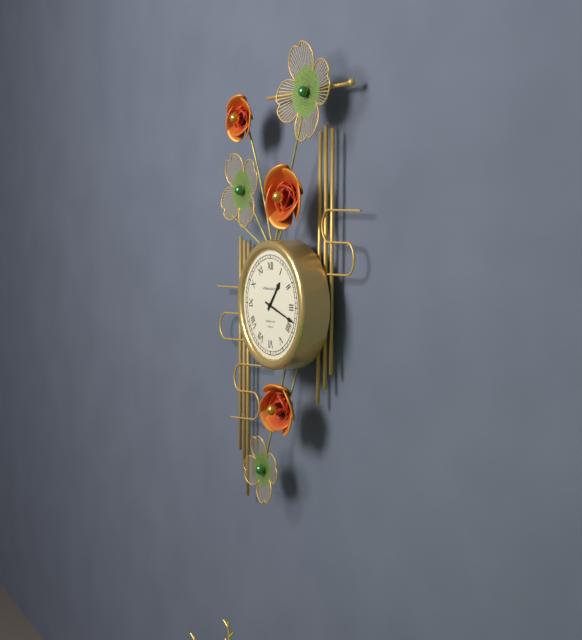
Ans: 1:18
